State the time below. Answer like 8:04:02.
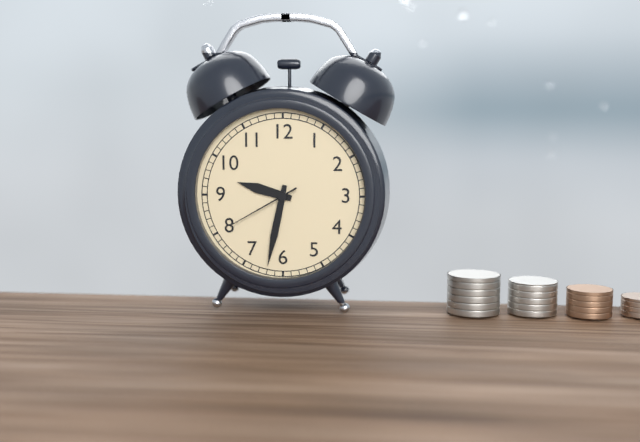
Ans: 9:32:40
